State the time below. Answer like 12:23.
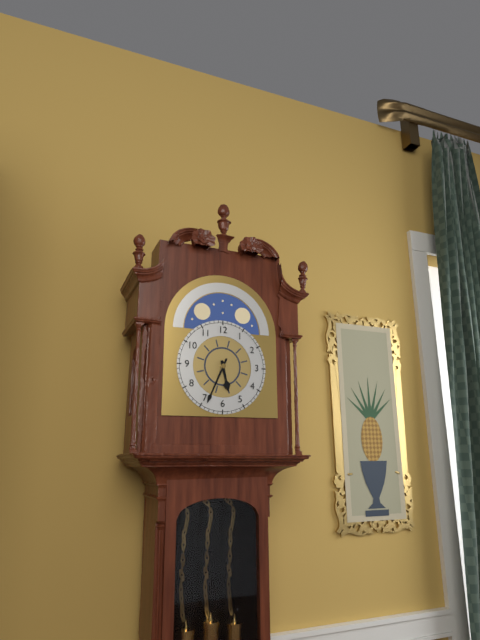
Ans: 5:34
